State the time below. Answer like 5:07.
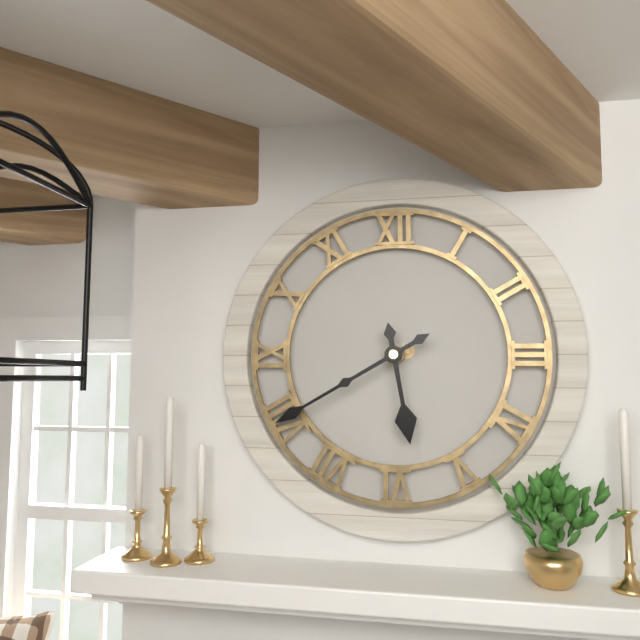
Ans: 5:40
